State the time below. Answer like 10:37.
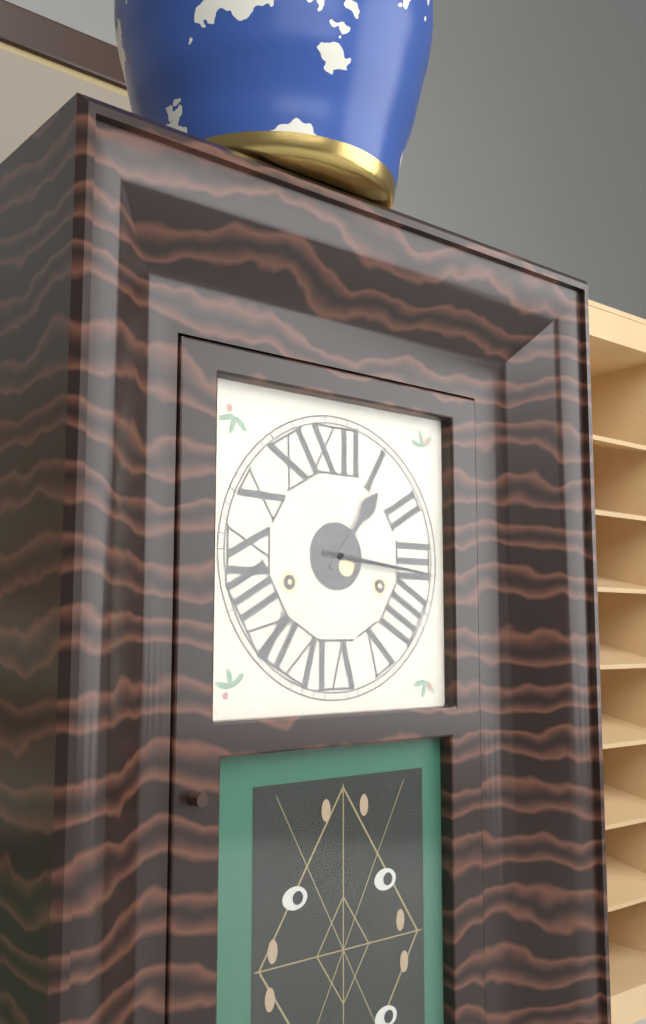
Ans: 1:16
